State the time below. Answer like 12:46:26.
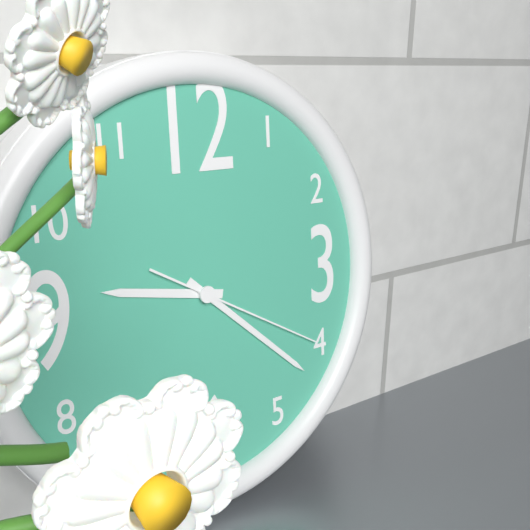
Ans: 9:22:20
